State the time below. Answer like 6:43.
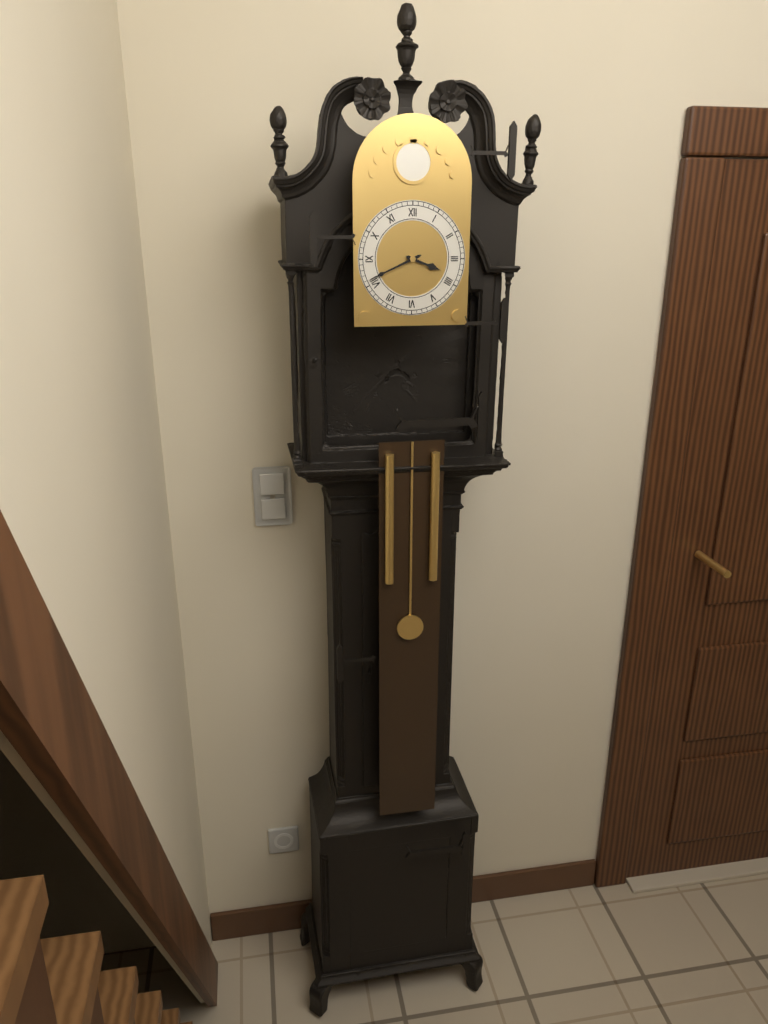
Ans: 3:41
